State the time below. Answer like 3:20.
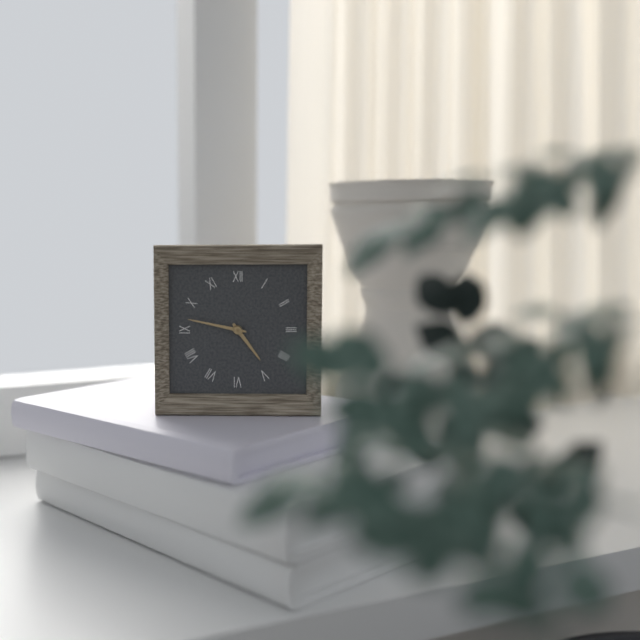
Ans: 4:47
